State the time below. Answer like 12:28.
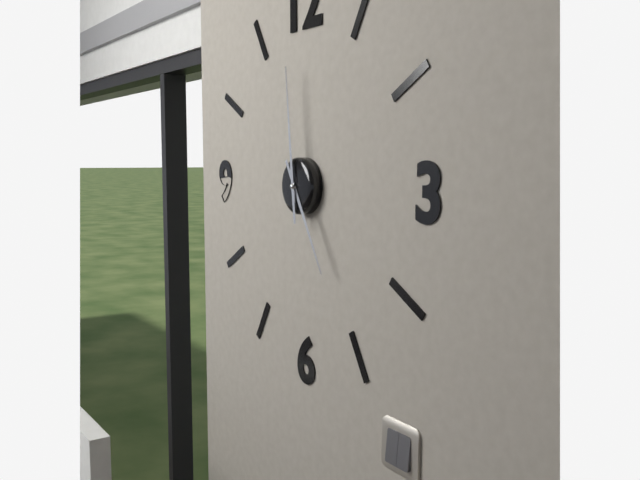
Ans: 4:59
